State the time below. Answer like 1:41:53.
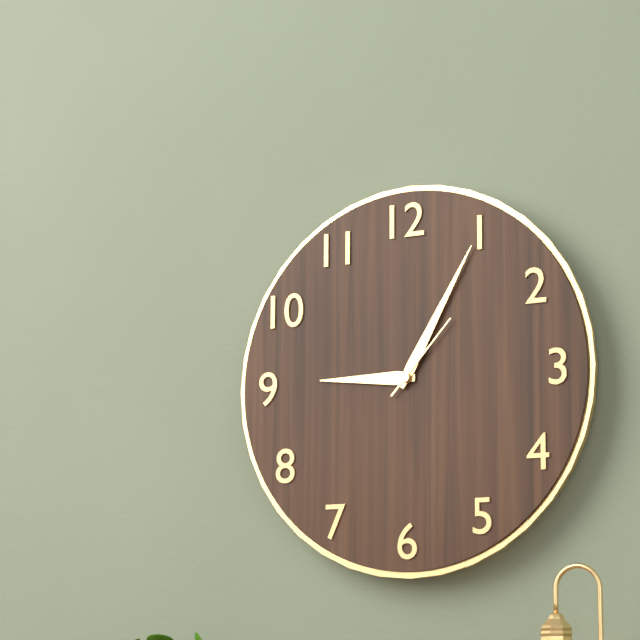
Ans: 9:05:07
